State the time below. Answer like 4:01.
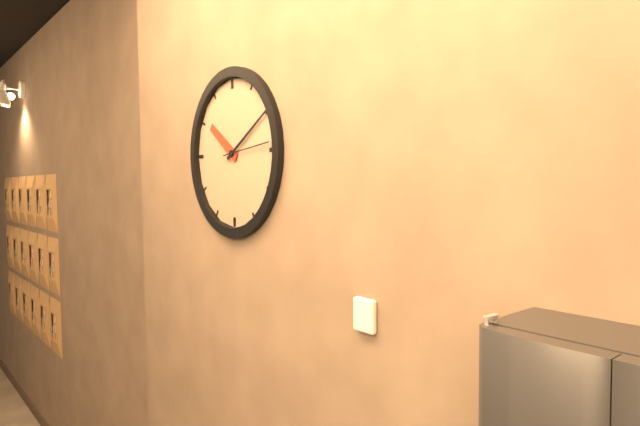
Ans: 10:10
